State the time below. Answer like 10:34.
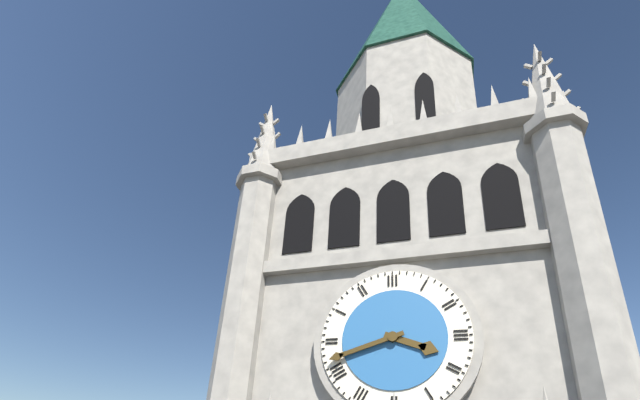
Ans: 3:42
